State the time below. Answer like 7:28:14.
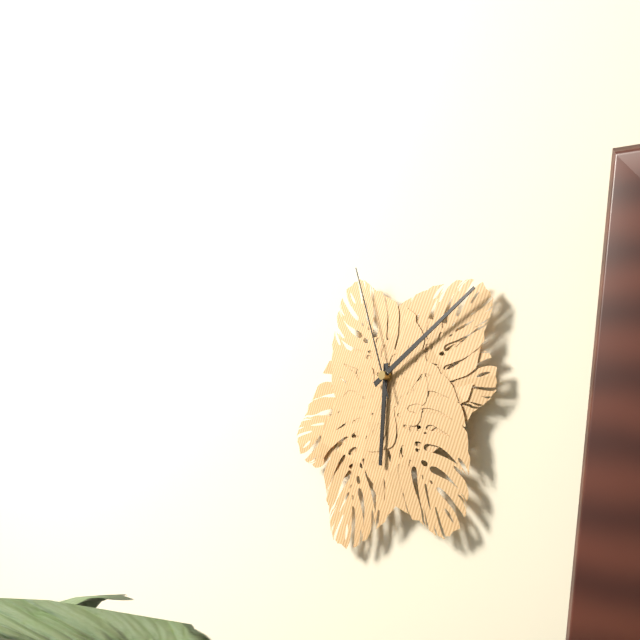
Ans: 6:10:57
